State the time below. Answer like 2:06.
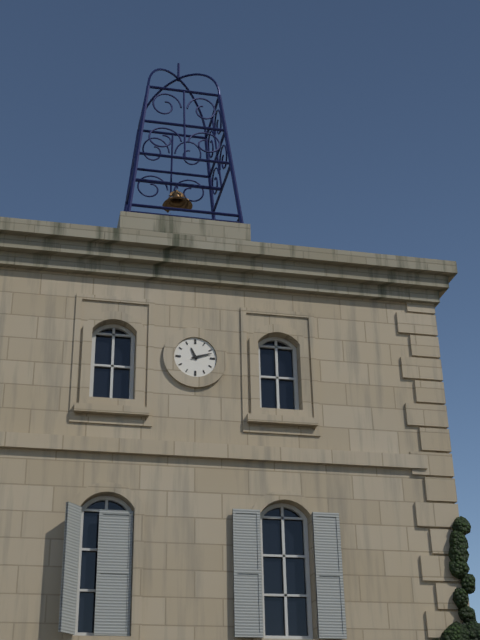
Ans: 11:12
